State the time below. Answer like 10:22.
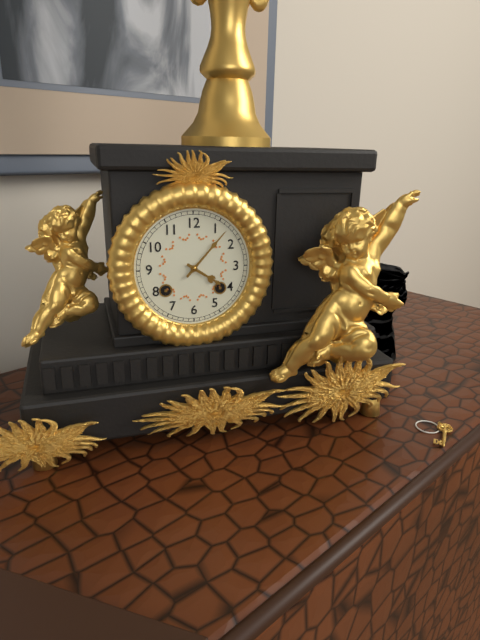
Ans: 4:07
